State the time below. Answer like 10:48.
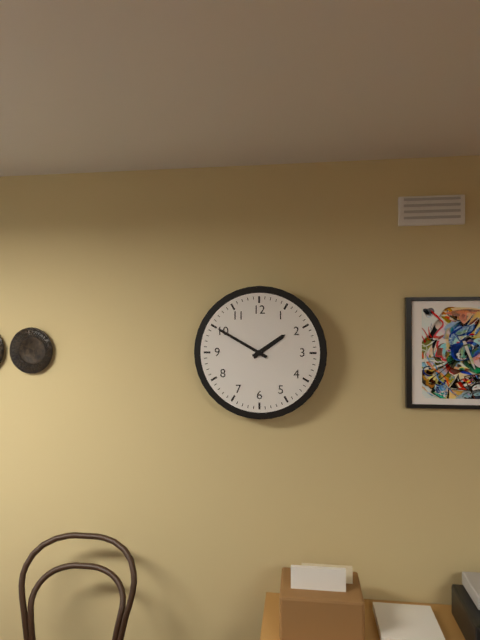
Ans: 1:50
